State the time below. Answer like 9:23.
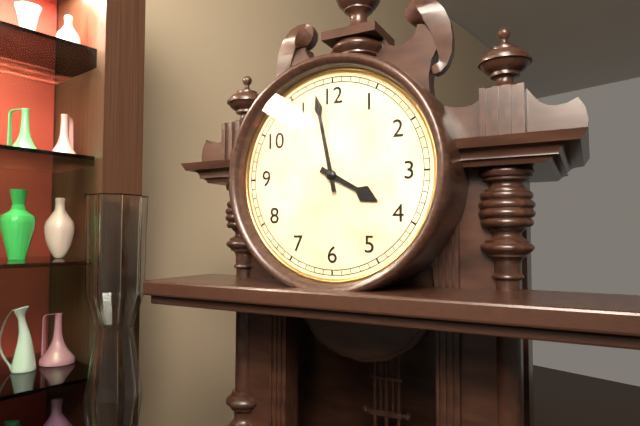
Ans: 3:58
